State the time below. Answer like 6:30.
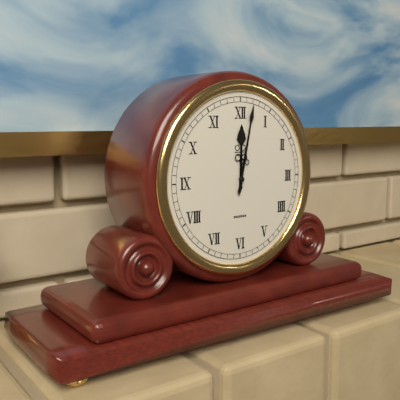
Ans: 12:02
